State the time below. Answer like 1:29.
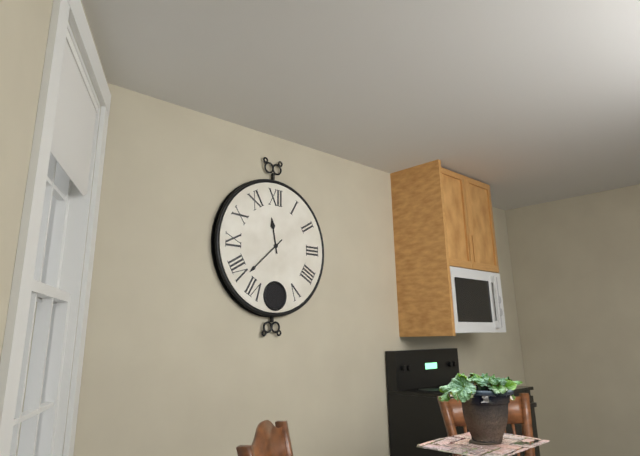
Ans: 11:38
